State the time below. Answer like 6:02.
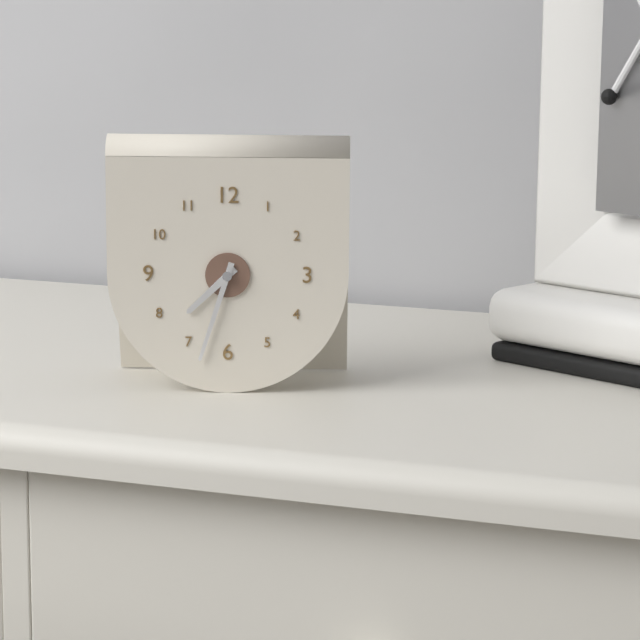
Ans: 7:33
